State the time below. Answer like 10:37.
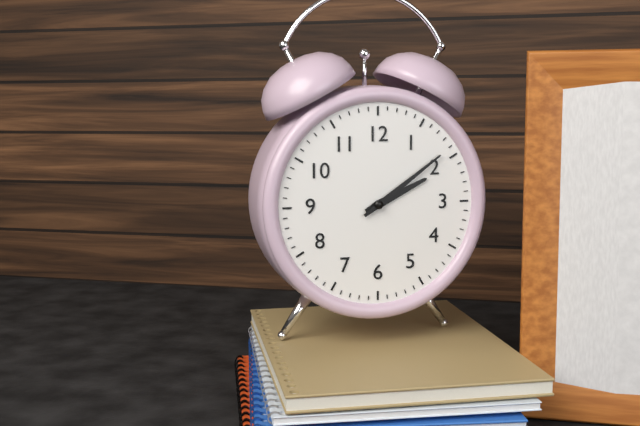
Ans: 2:09
